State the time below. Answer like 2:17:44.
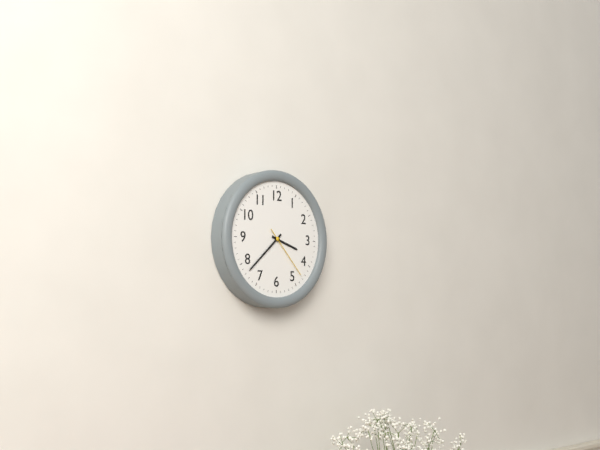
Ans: 3:38:23
